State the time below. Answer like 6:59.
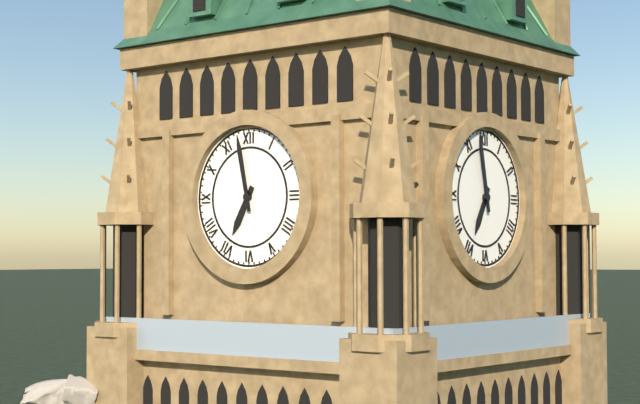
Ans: 6:58
